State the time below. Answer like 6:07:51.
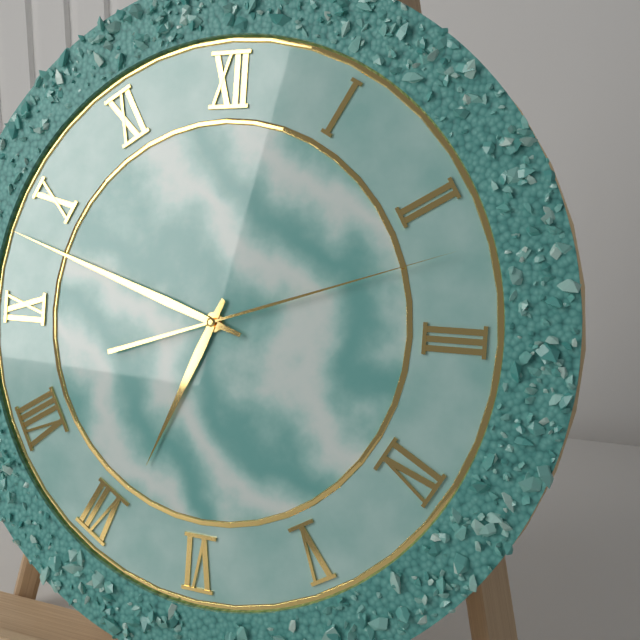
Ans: 6:48:12
